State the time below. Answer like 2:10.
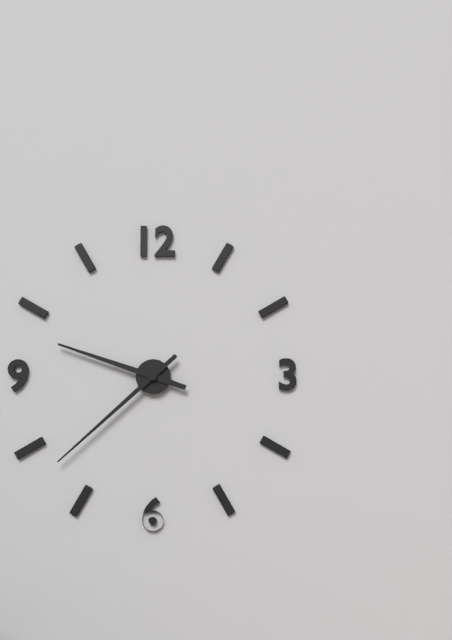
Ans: 9:38
